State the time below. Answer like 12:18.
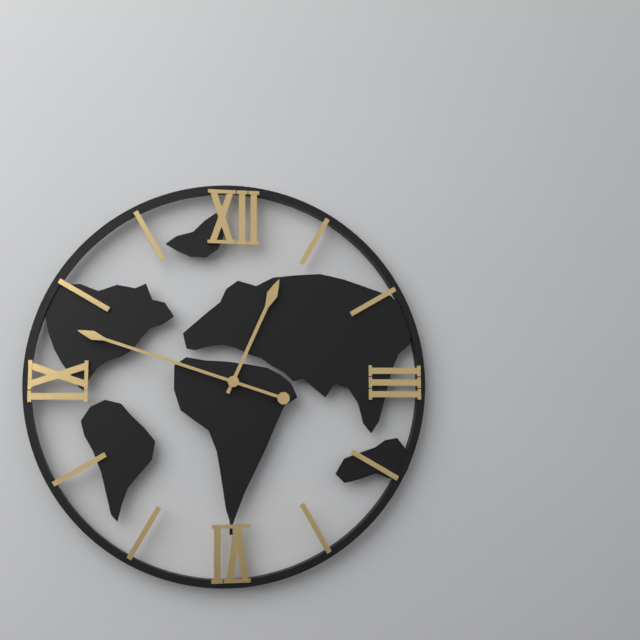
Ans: 12:48
